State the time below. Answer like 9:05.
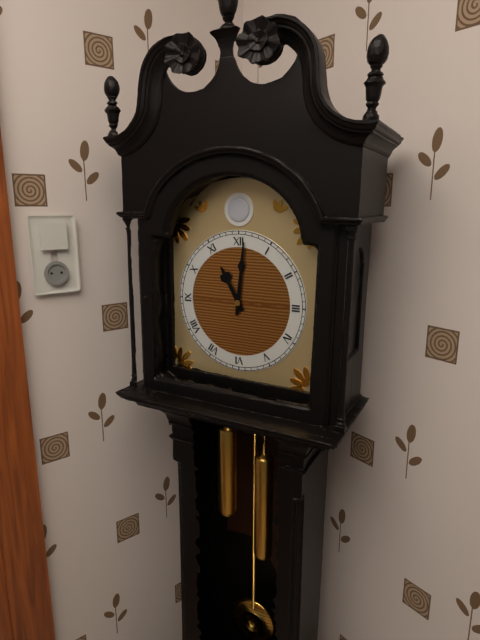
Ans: 11:01
